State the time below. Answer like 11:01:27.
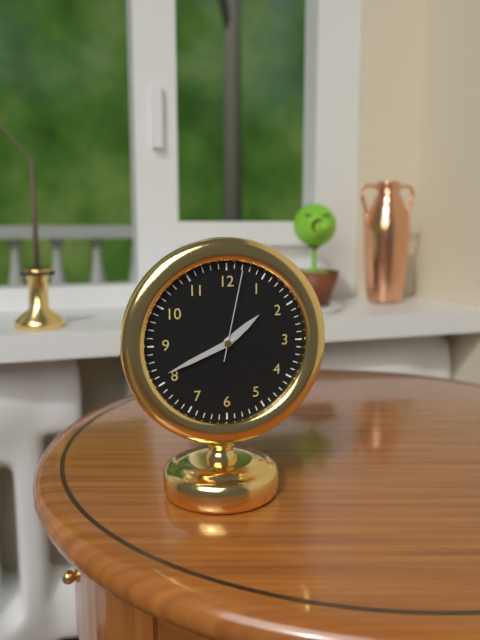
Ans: 1:41:02
